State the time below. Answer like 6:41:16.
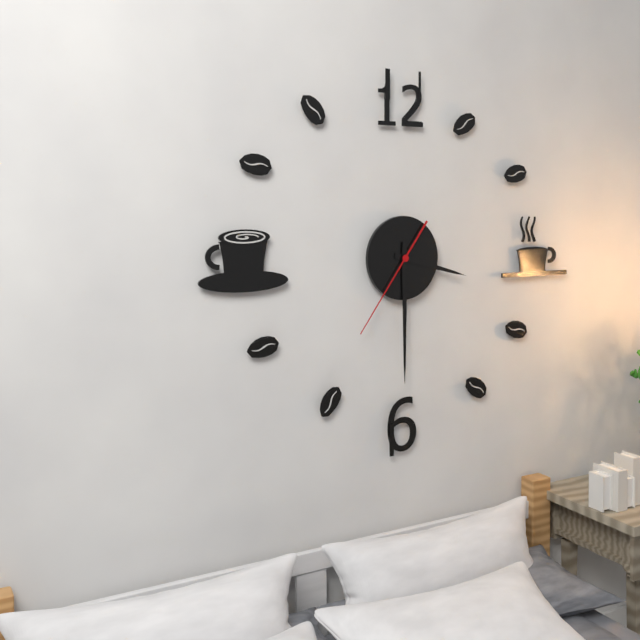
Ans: 3:30:36
